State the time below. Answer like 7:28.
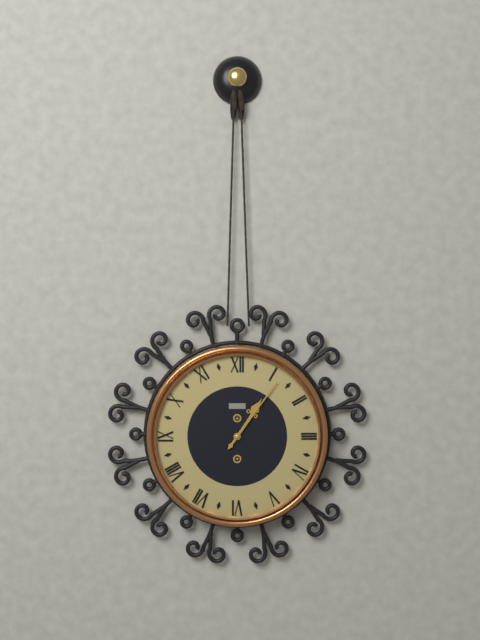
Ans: 1:06
